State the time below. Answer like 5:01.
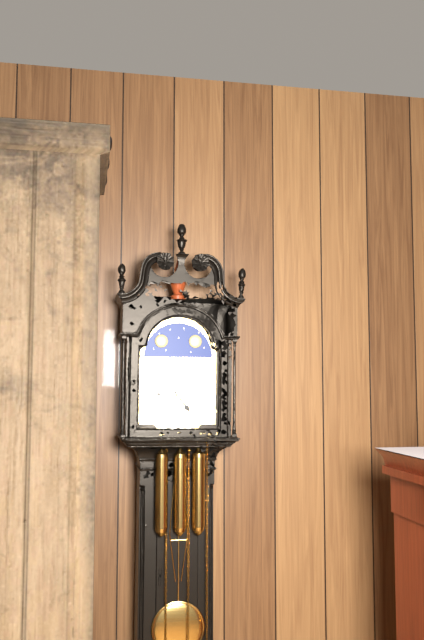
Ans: 4:46
